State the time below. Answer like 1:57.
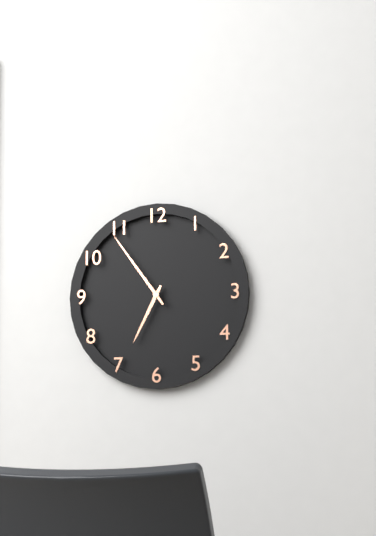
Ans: 6:54
